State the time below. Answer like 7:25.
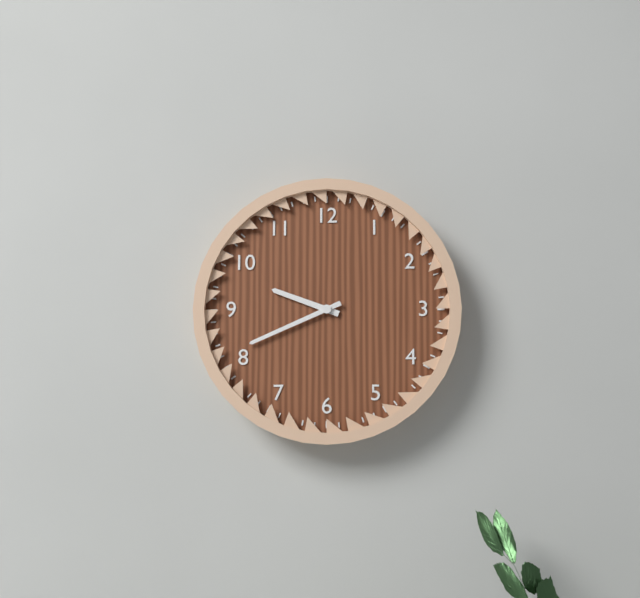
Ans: 9:41
